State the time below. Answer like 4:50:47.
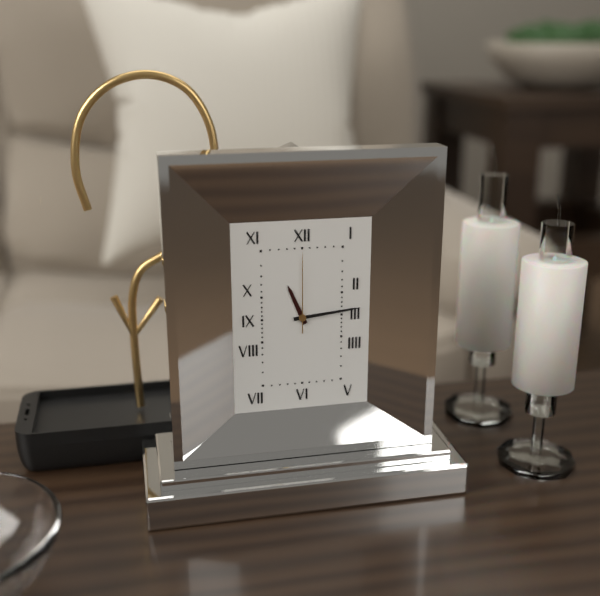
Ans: 11:14:00
